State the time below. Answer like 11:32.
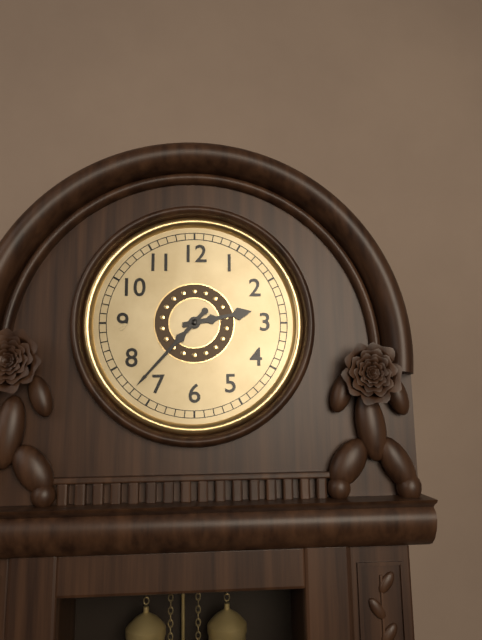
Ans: 2:37
